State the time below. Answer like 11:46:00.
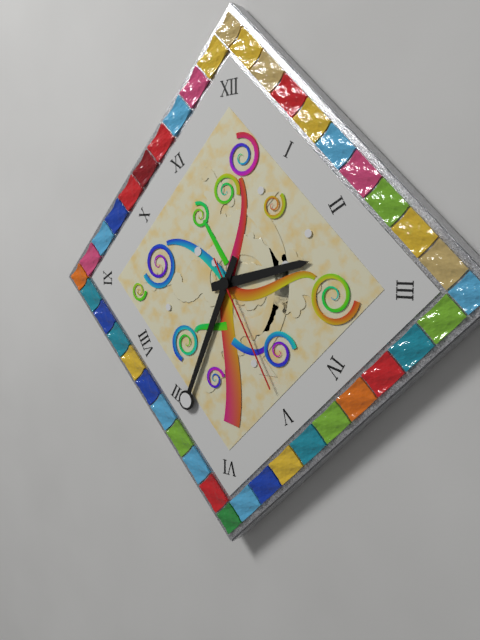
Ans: 2:34:25
